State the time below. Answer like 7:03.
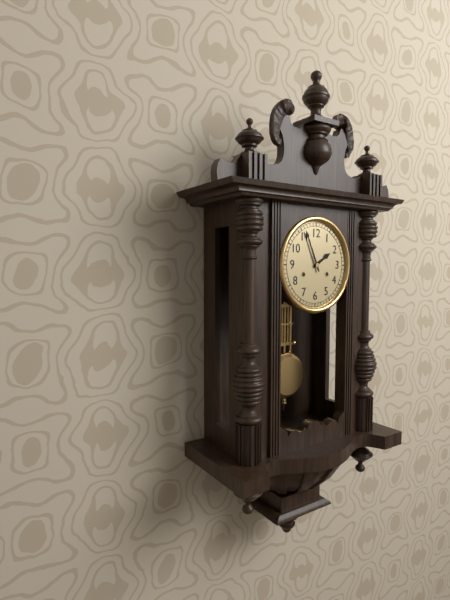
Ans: 1:56
